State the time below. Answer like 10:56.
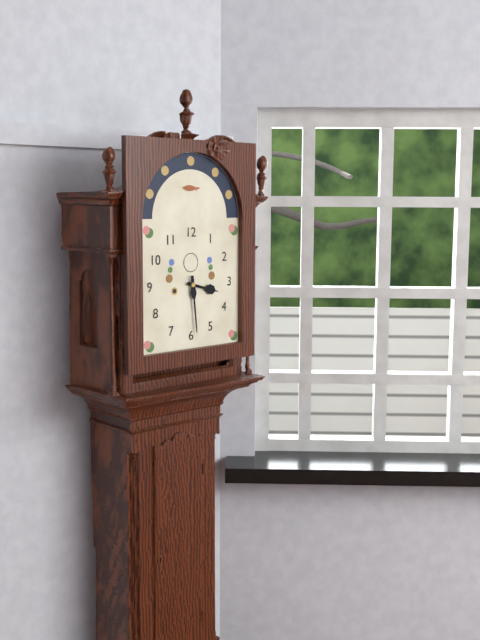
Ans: 3:29
